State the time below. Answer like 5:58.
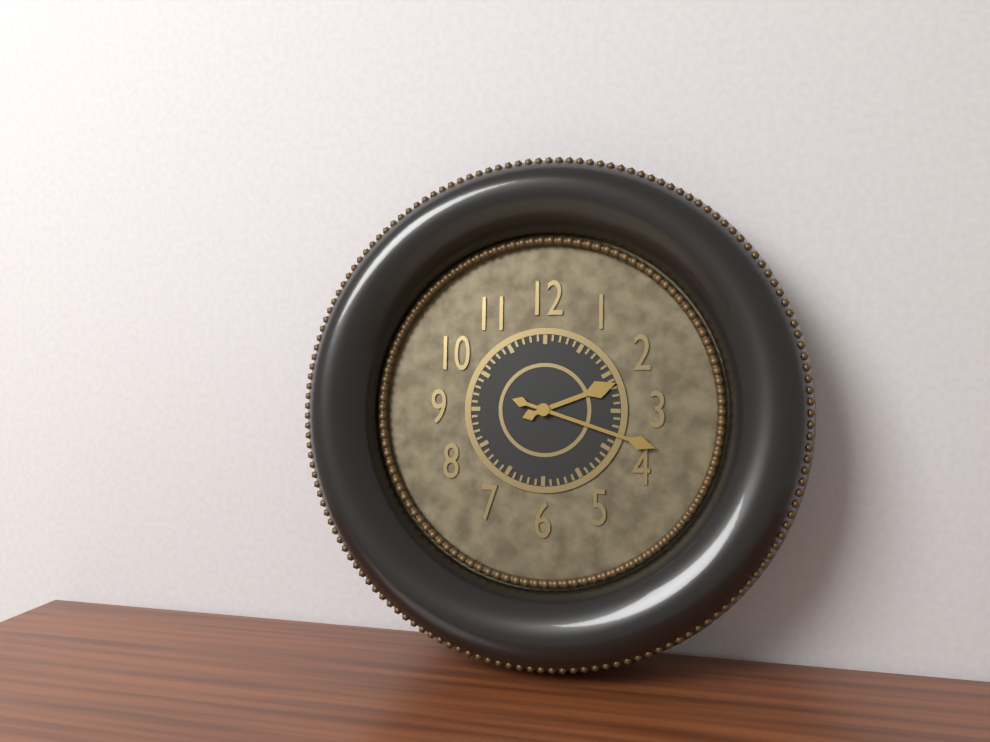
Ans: 2:18
